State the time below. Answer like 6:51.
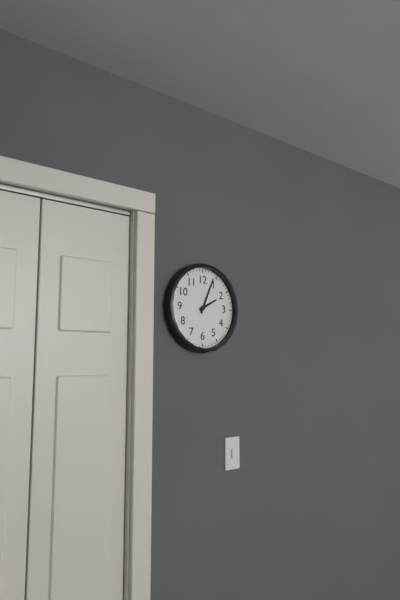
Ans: 2:04
